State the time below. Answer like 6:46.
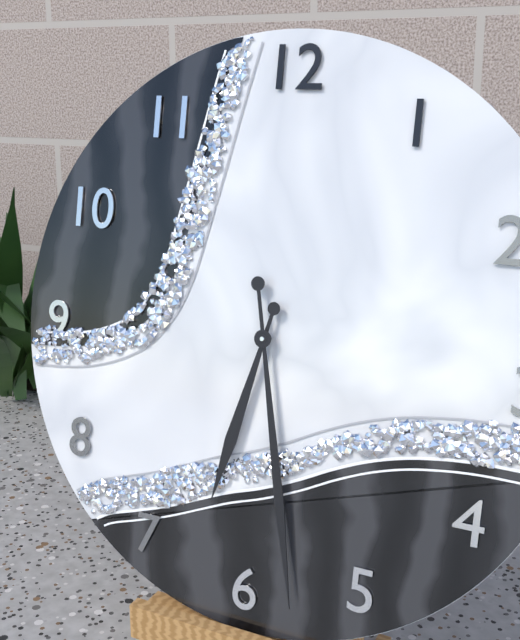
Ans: 6:28
